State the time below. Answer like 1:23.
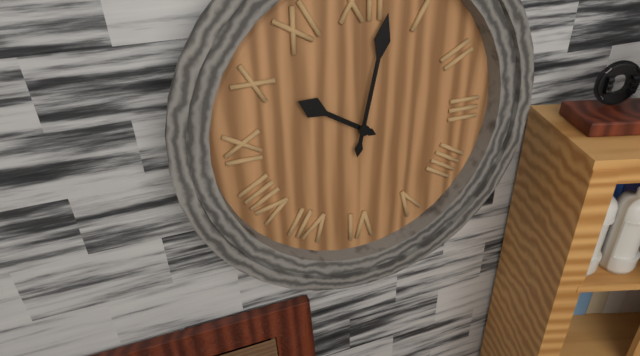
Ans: 10:02
